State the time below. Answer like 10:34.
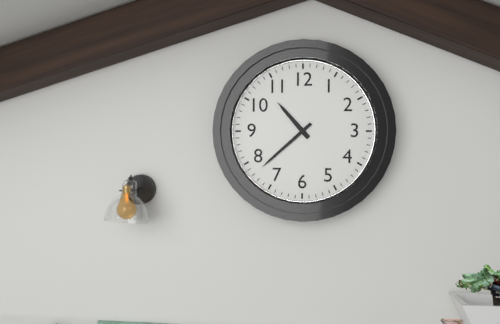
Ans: 10:38
